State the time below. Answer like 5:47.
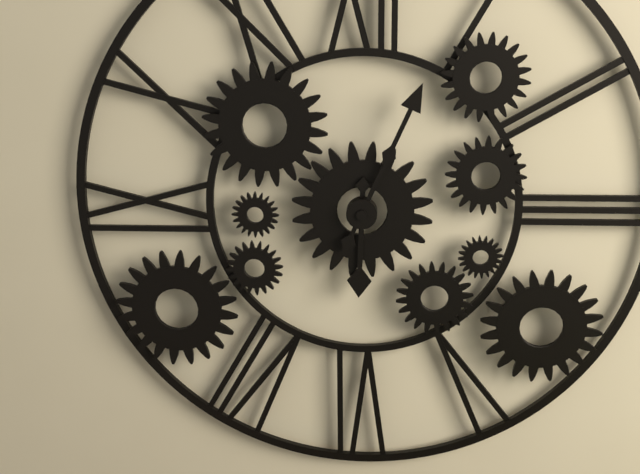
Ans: 6:04
